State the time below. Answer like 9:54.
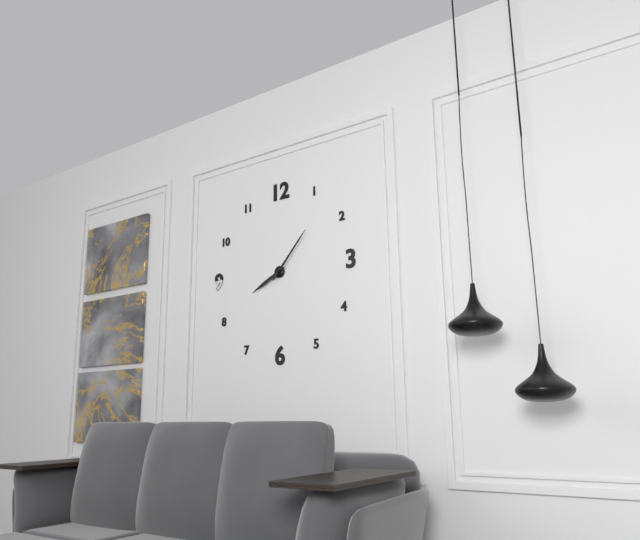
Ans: 8:07
